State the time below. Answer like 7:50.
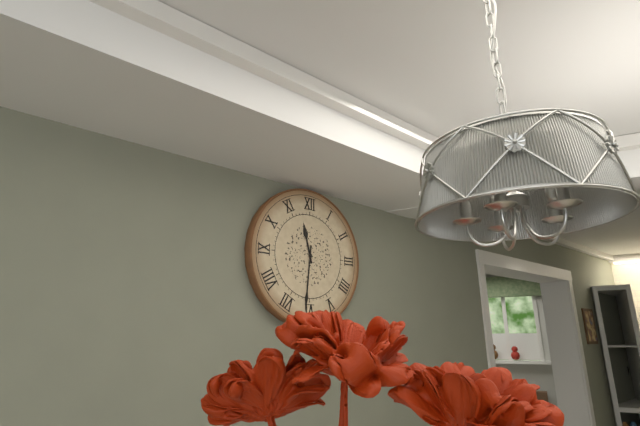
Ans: 11:31
